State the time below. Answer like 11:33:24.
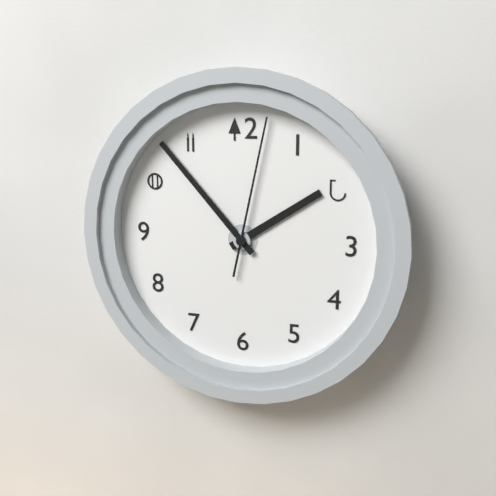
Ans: 1:53:02
